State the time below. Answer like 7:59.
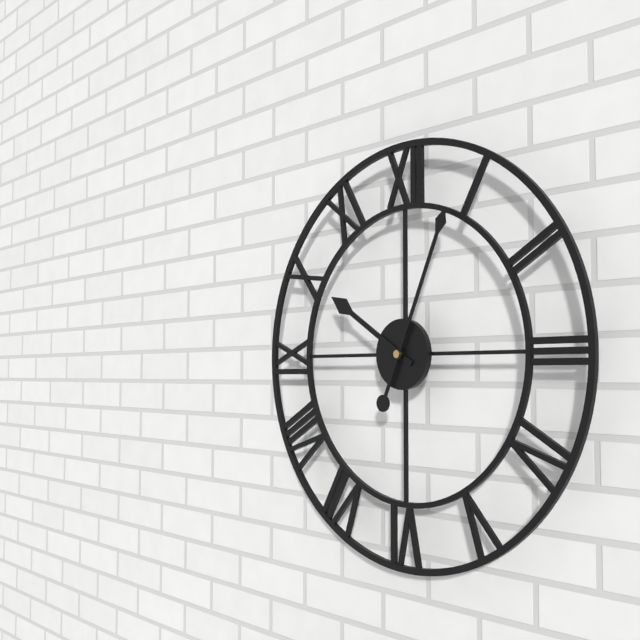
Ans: 10:04
